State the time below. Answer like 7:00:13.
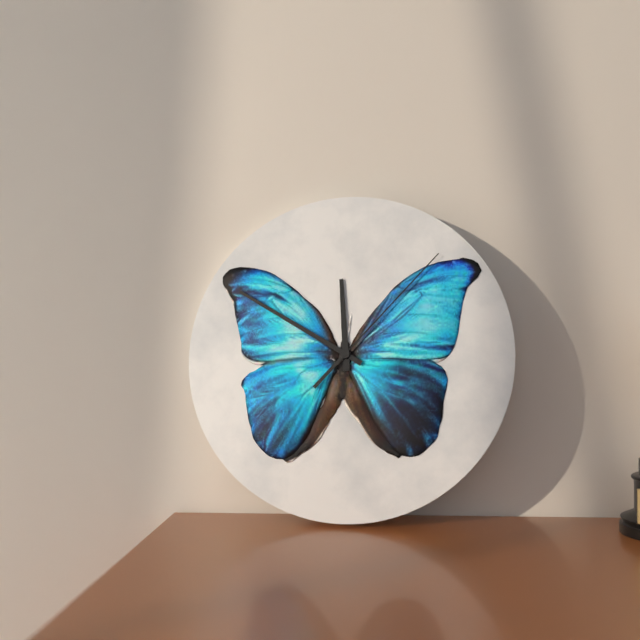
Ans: 11:50:07
